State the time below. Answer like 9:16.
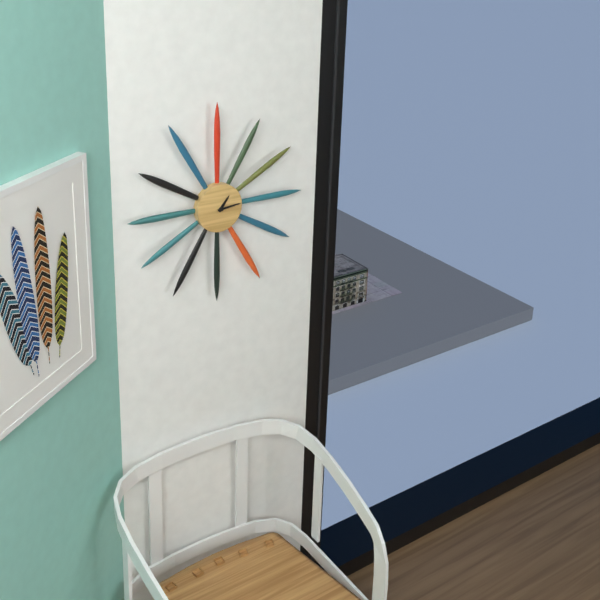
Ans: 1:14
